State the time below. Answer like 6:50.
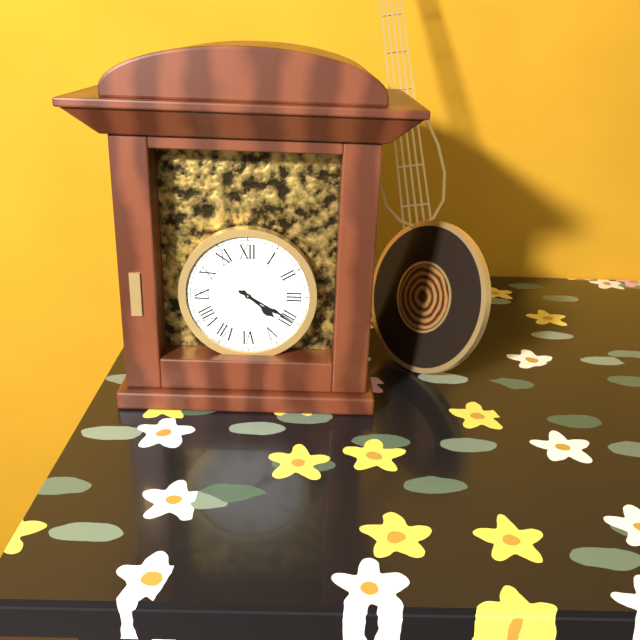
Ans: 4:20
